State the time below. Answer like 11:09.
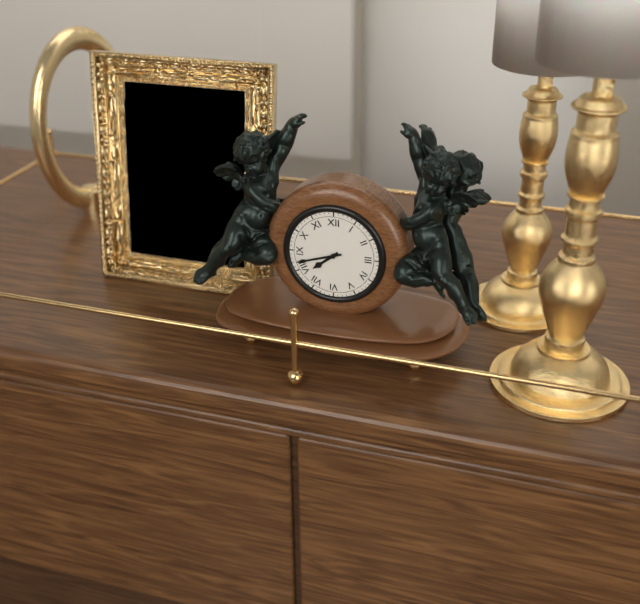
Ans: 7:42
